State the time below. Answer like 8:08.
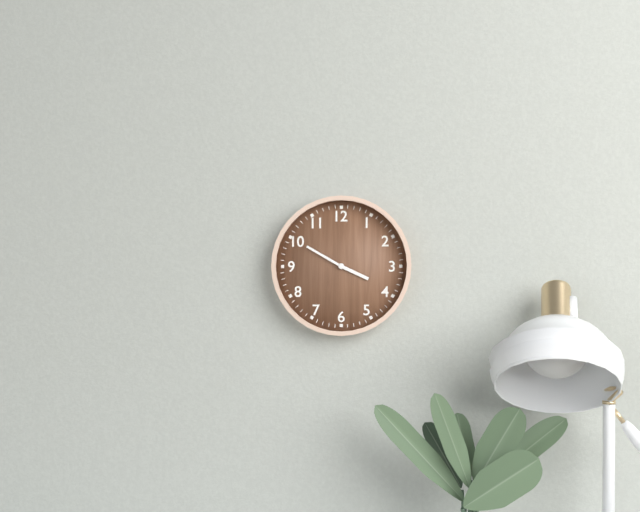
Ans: 3:50
